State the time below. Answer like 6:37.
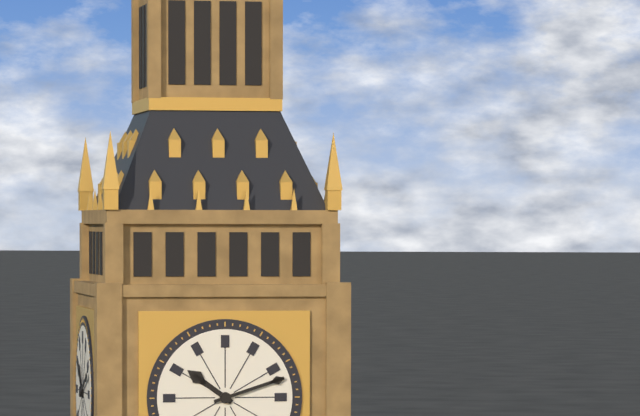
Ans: 10:12
